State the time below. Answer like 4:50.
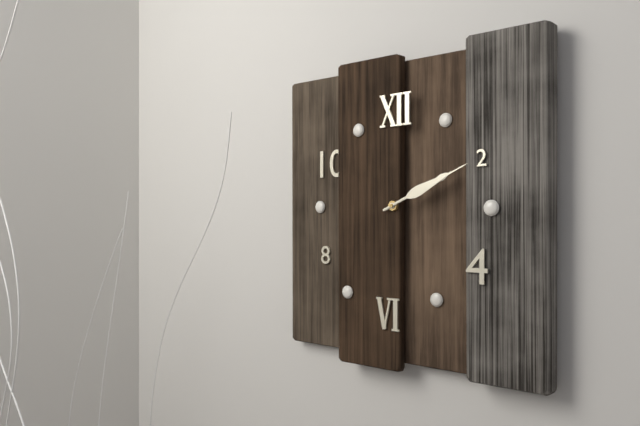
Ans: 2:11
